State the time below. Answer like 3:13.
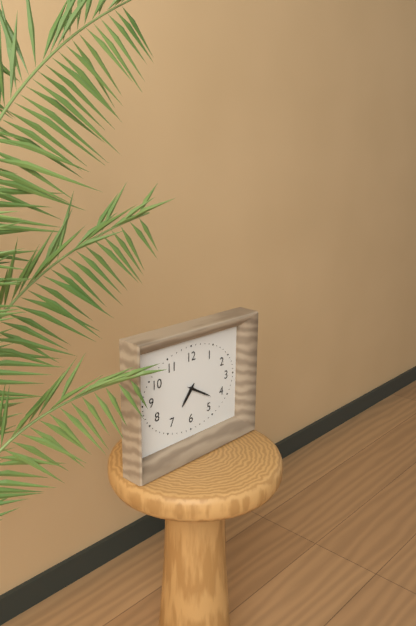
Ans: 7:20
